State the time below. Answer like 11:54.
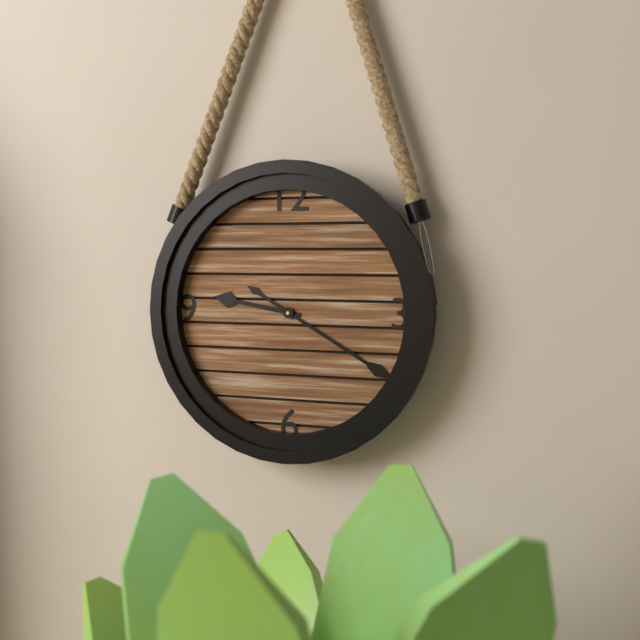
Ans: 9:20
